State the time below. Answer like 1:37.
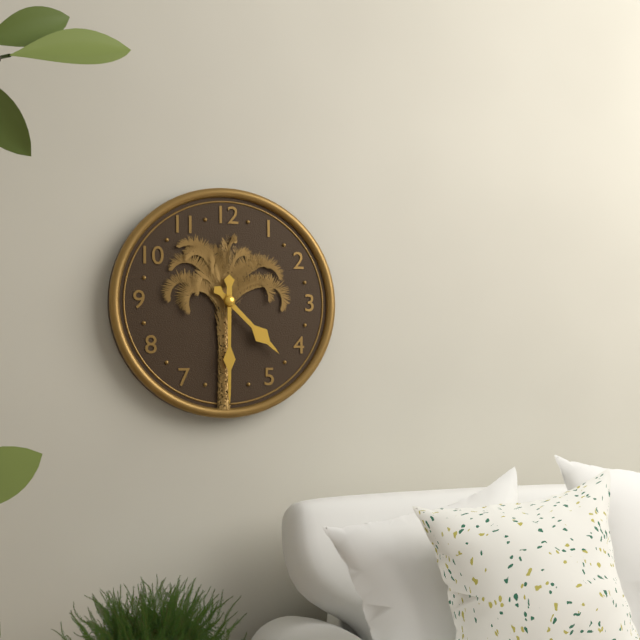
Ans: 4:30
